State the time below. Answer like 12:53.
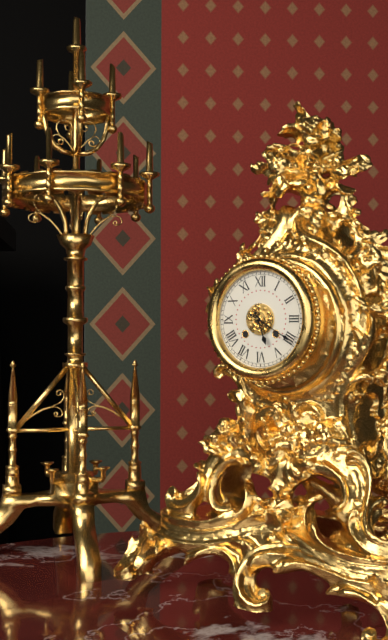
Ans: 5:20
